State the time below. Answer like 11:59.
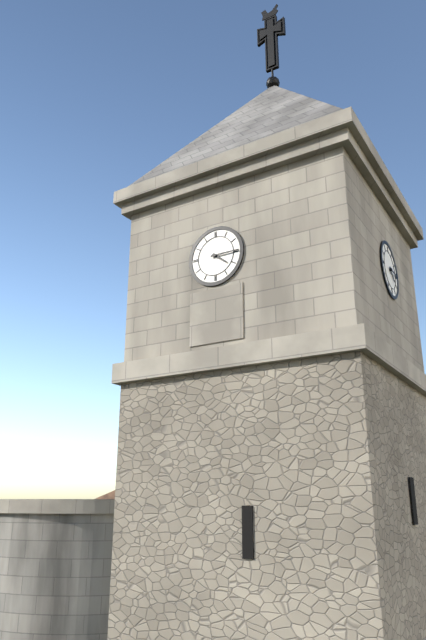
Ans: 4:15
